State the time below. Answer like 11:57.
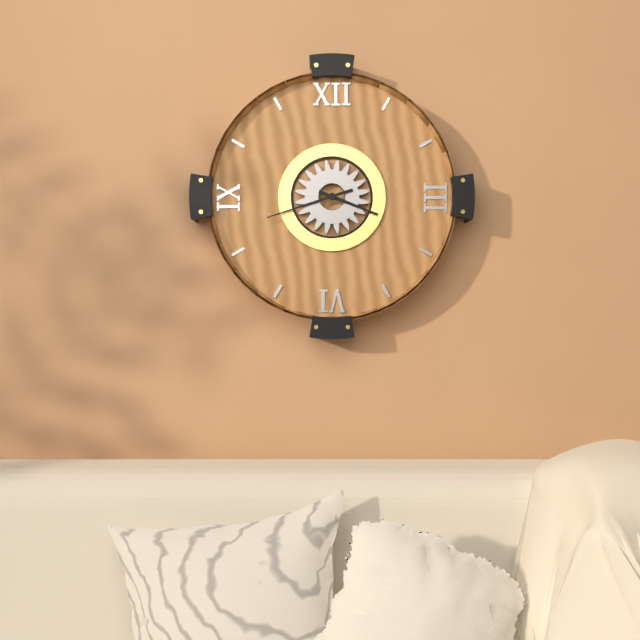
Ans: 3:42
